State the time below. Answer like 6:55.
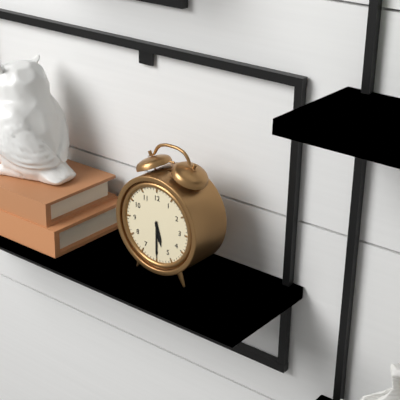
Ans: 5:30
